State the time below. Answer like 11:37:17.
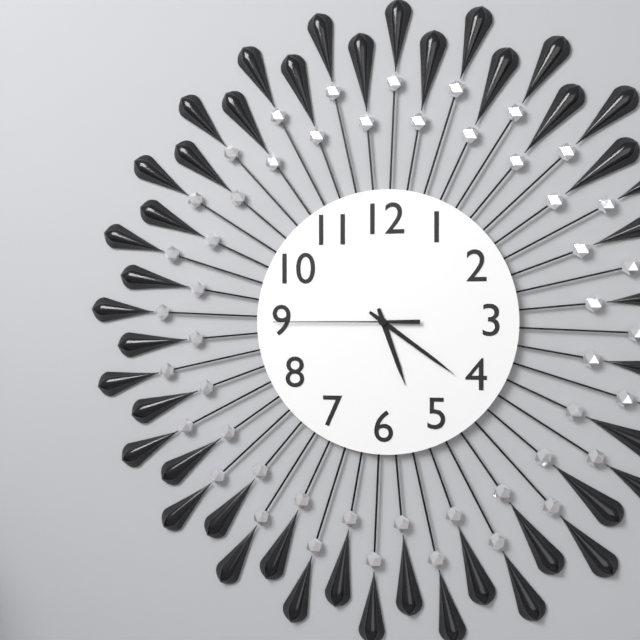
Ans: 5:21:45
